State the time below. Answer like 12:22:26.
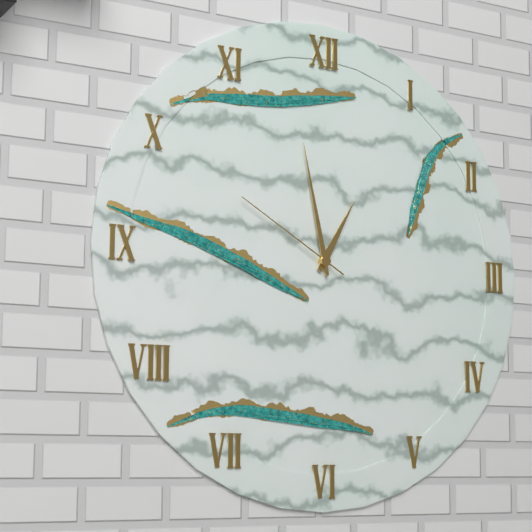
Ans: 12:58:50
